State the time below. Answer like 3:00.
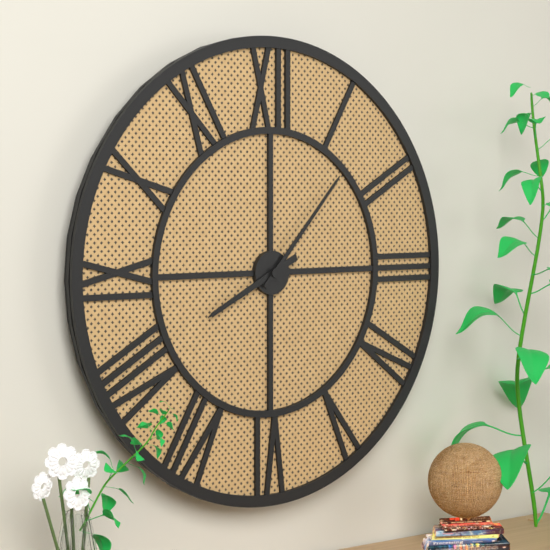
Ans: 8:07
